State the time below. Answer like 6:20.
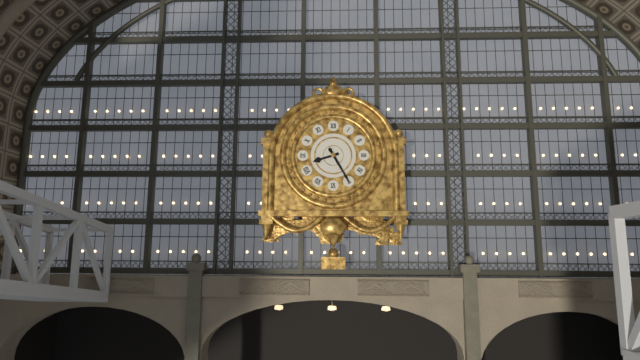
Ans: 8:25
